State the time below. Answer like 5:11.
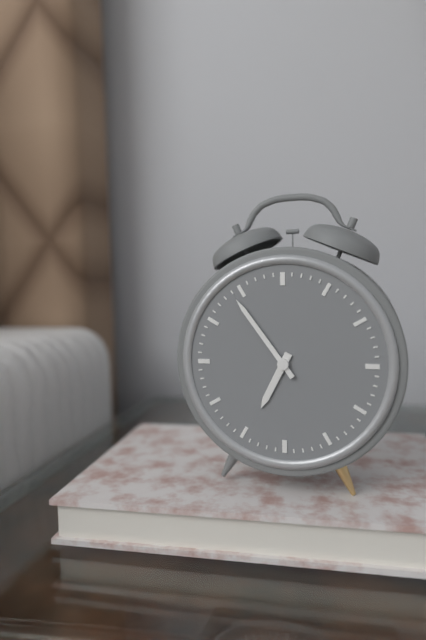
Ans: 6:54
